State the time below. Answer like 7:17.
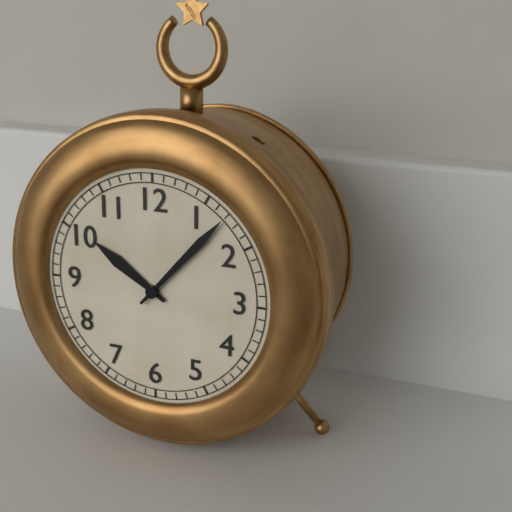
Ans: 10:07
